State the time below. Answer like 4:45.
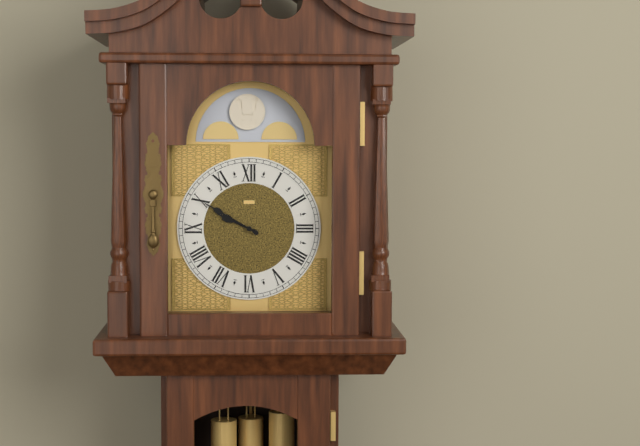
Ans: 9:50
